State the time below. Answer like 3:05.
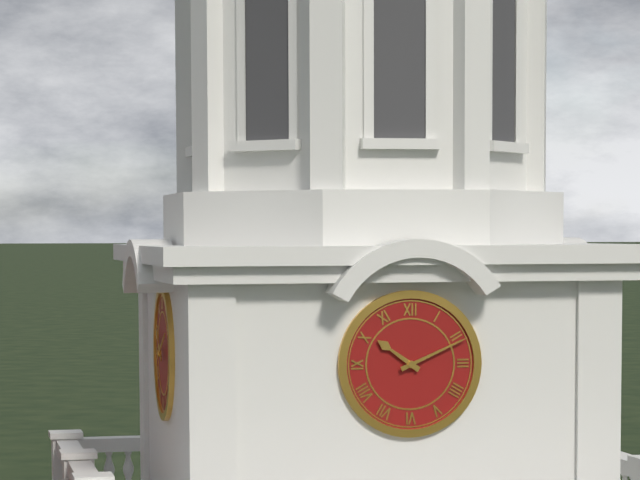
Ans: 10:11
